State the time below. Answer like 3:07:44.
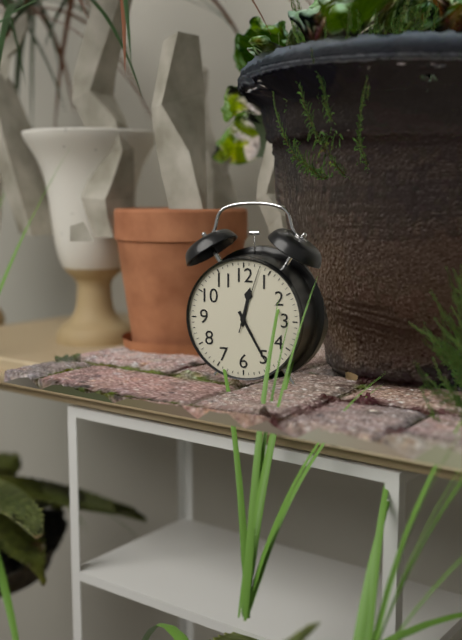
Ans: 12:25:03
